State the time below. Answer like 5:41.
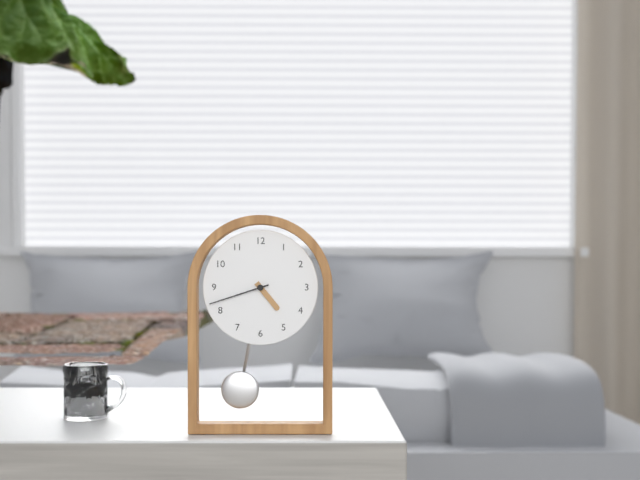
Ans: 4:42
